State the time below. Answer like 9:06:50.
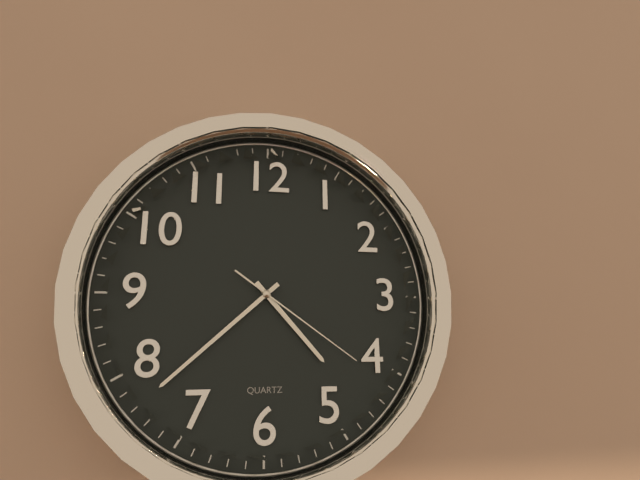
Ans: 4:38:21
